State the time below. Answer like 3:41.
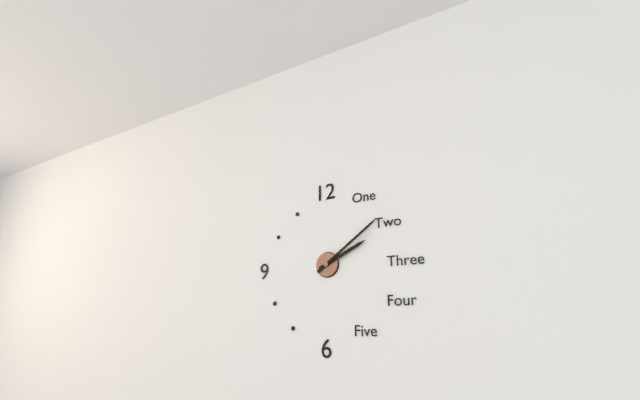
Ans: 2:09
